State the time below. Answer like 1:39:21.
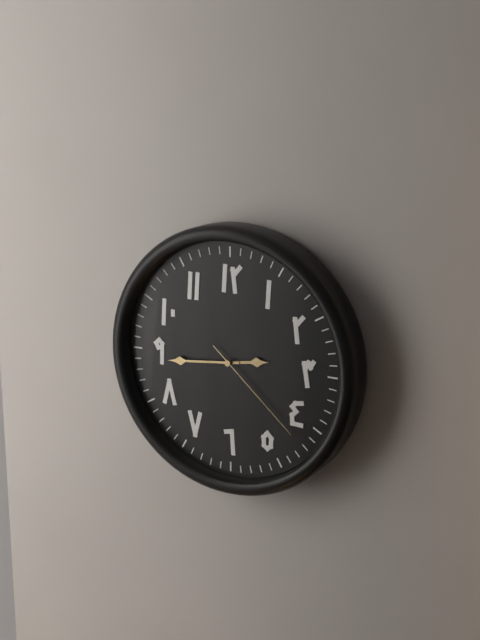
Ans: 2:44:22
